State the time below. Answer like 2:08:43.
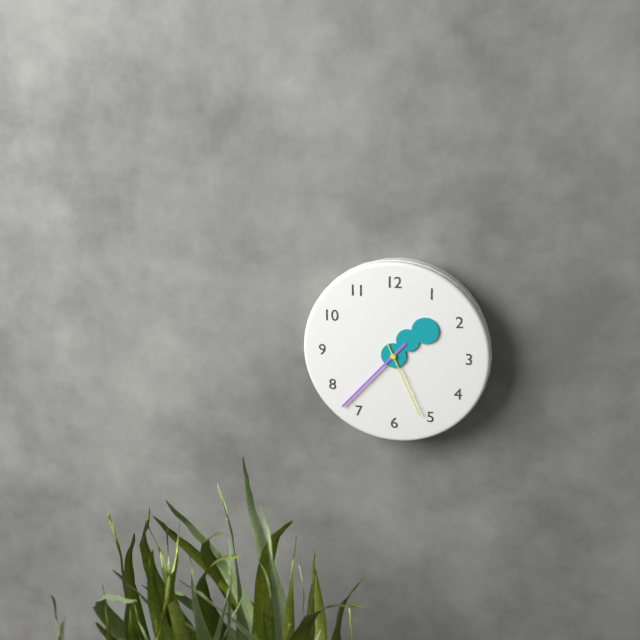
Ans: 1:37:26
